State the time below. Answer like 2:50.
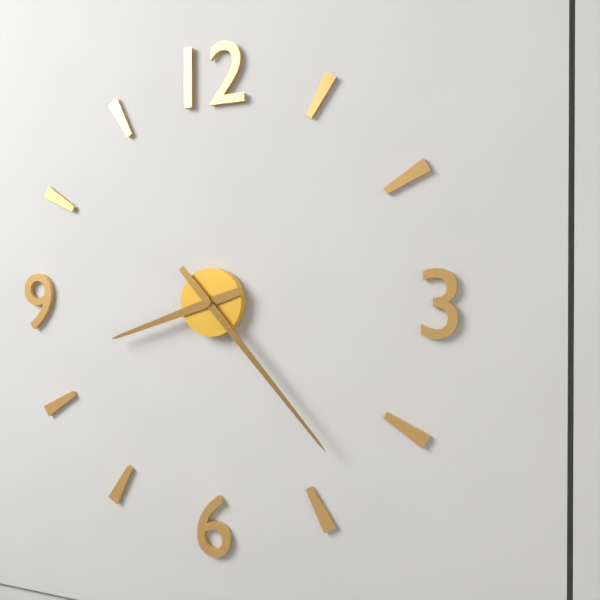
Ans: 8:23
